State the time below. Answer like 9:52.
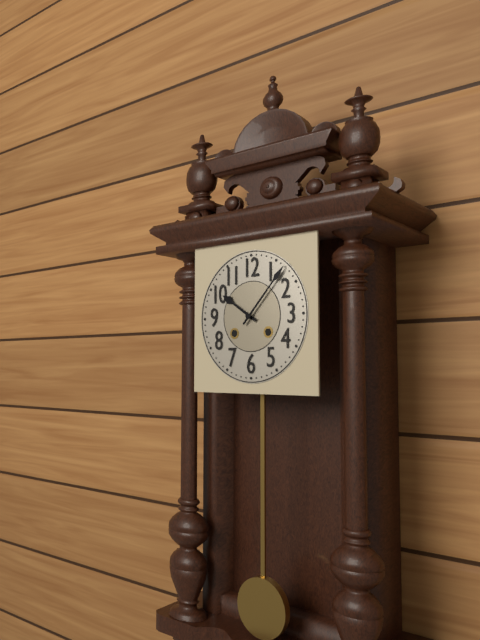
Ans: 10:07
